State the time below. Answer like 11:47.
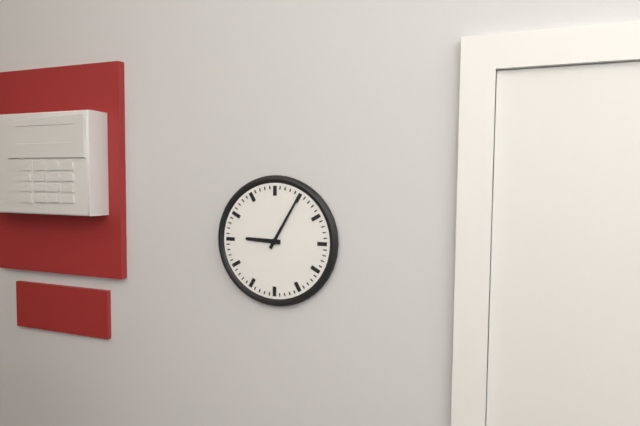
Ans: 9:05
